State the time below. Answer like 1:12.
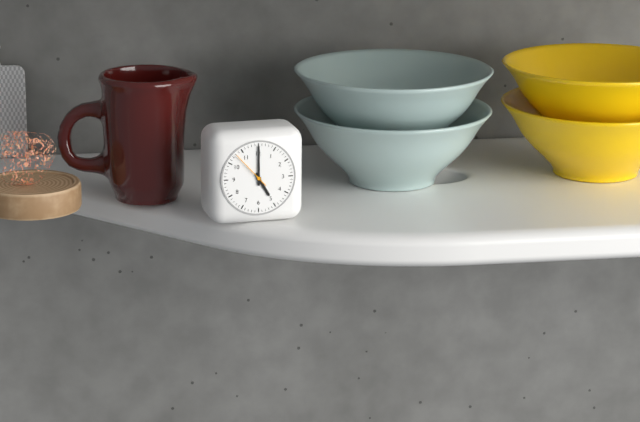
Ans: 5:00
